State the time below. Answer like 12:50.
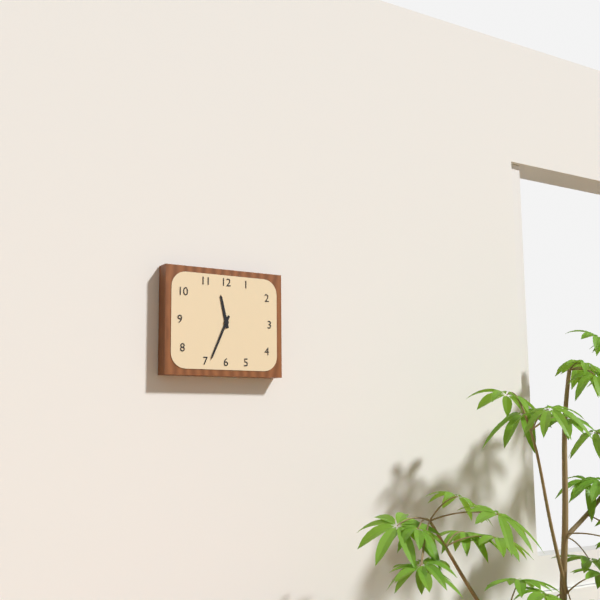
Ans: 11:34
